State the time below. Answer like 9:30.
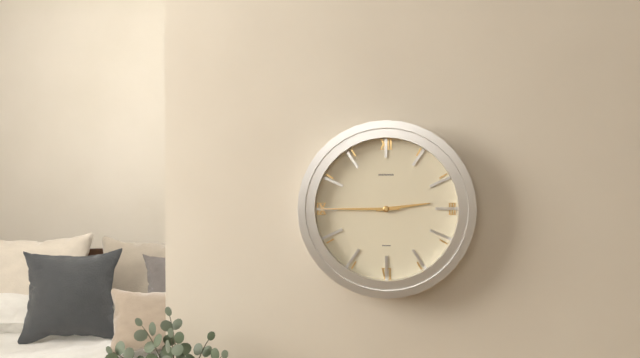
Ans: 2:45
